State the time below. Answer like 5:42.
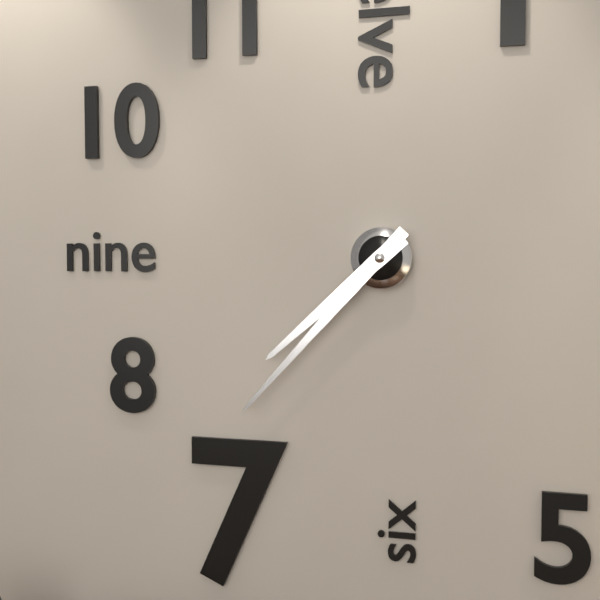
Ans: 7:37
